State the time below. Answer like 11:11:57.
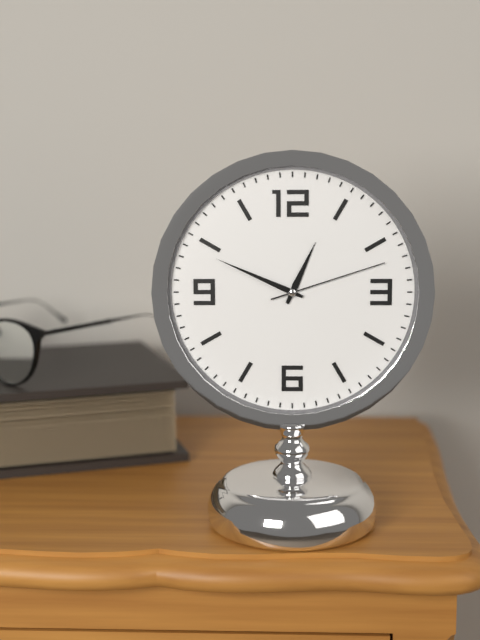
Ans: 12:49:12
